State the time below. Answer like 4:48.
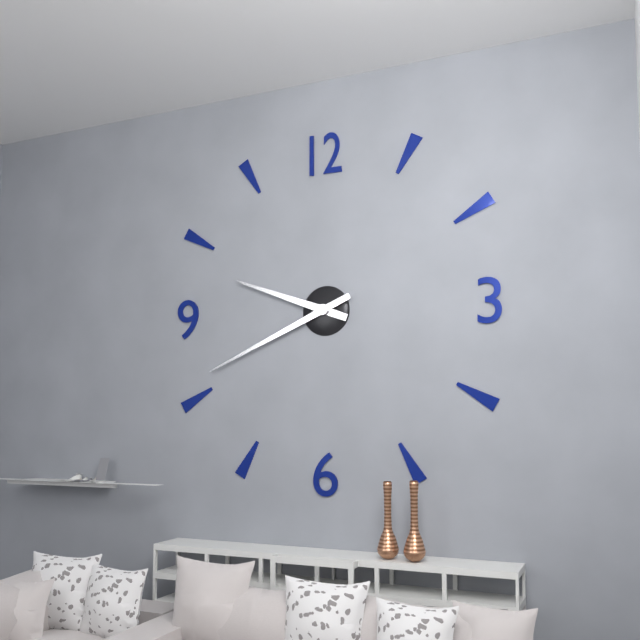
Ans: 9:41
